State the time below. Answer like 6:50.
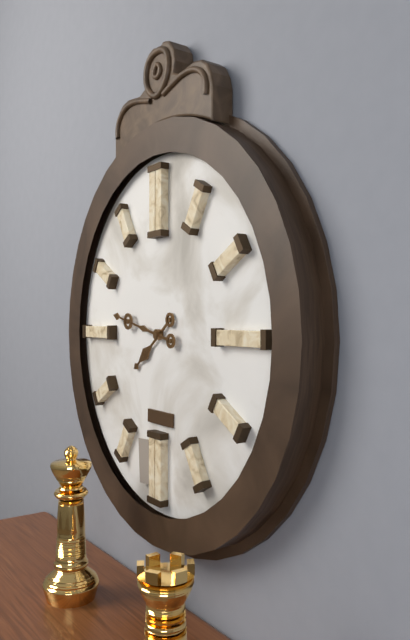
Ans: 7:47
